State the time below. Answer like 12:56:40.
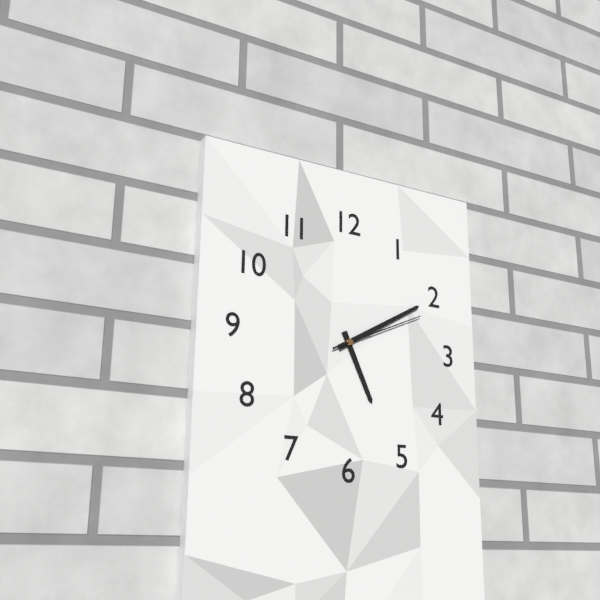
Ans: 5:10:11
